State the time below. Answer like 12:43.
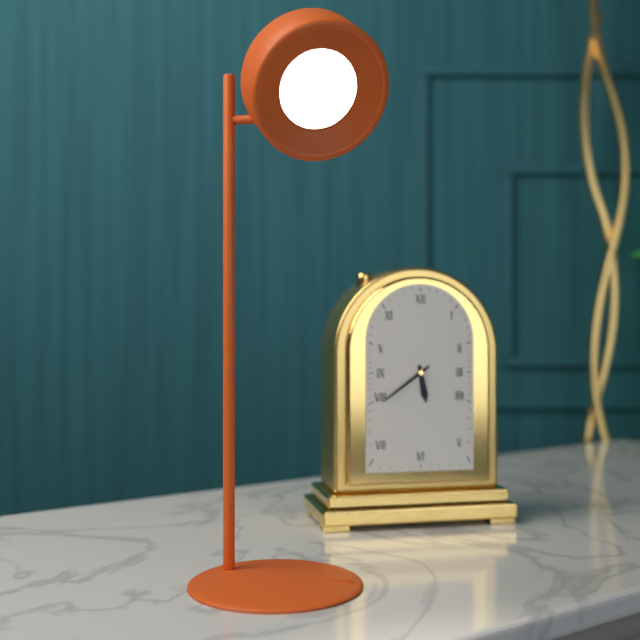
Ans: 5:39
